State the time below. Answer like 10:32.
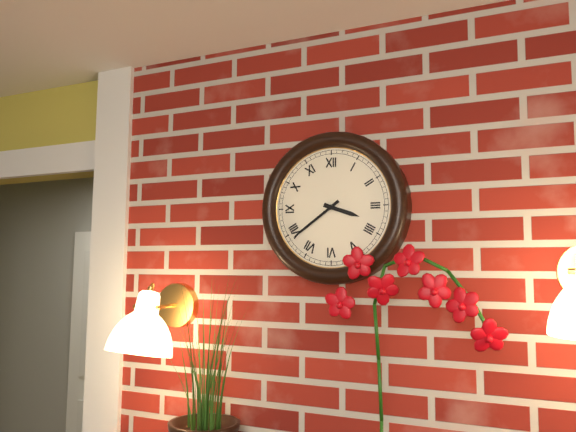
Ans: 3:39
